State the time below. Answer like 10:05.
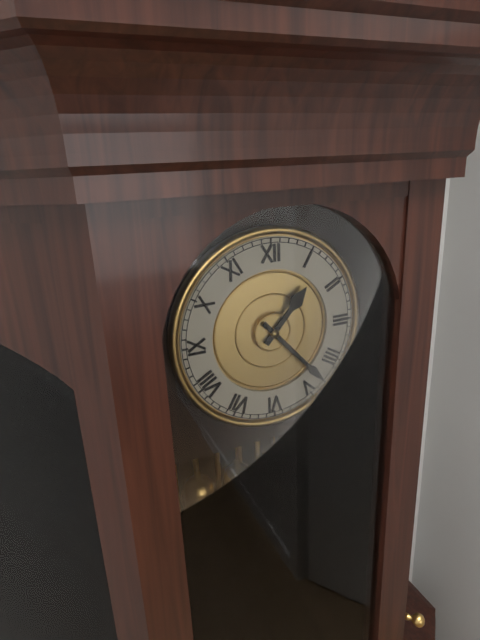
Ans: 1:23
